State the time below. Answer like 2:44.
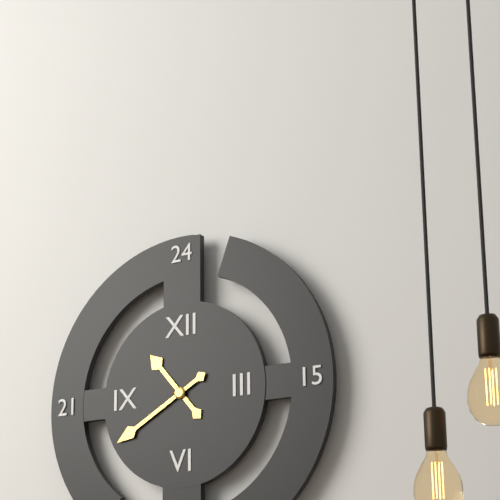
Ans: 10:40
